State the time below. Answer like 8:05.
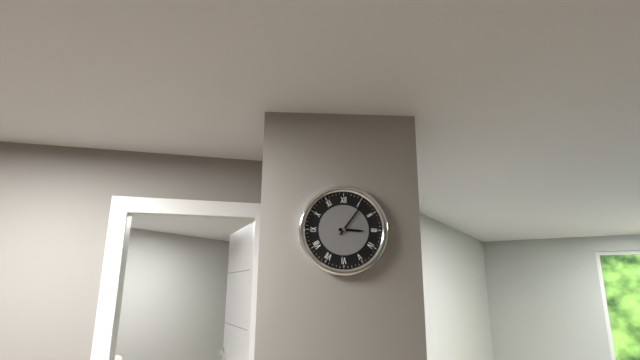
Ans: 3:06
